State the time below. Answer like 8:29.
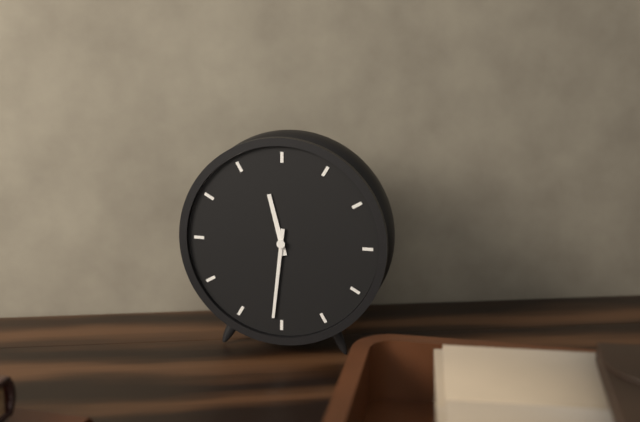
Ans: 11:31
